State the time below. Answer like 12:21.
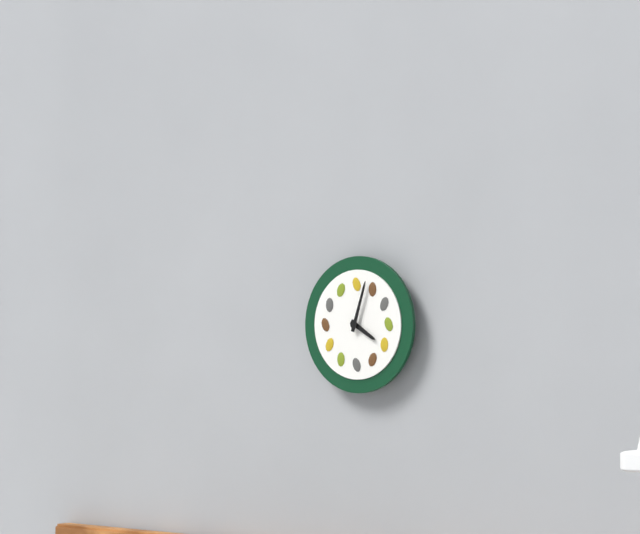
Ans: 4:03
